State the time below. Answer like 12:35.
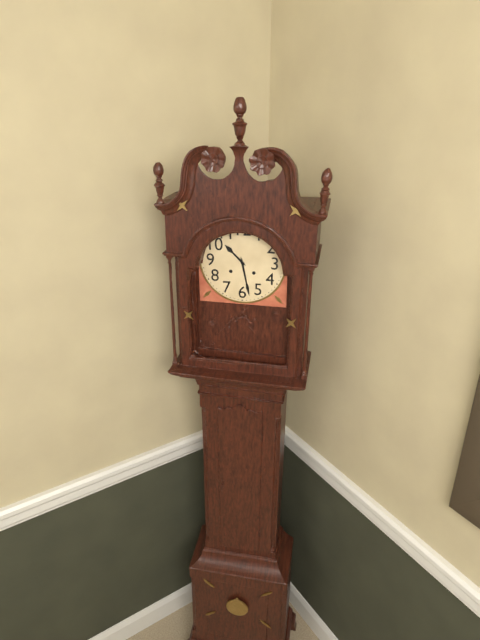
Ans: 10:28
